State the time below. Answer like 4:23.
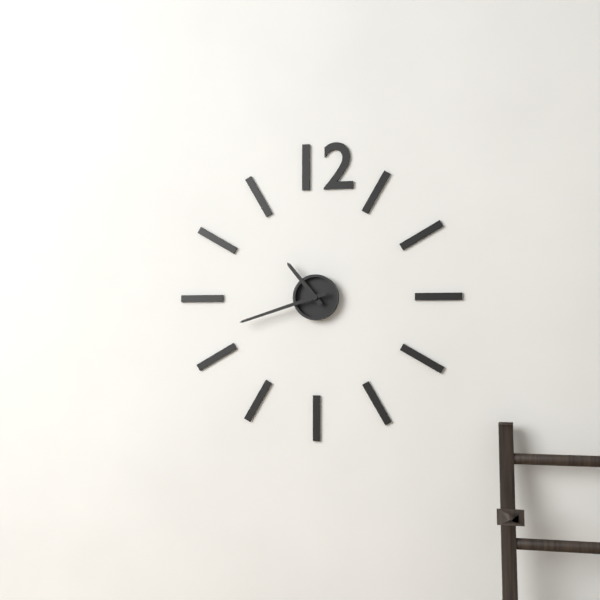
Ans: 10:42
